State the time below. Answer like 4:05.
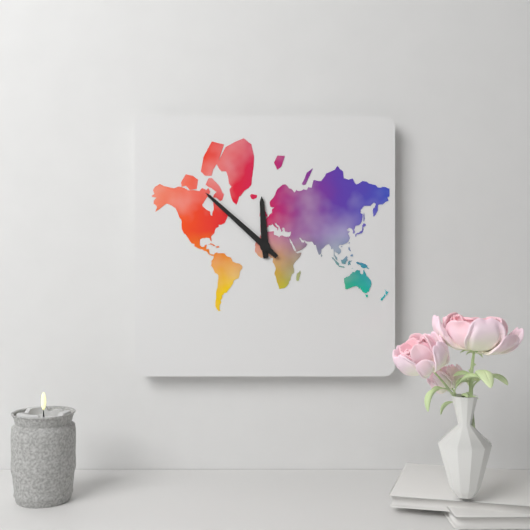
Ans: 11:52
